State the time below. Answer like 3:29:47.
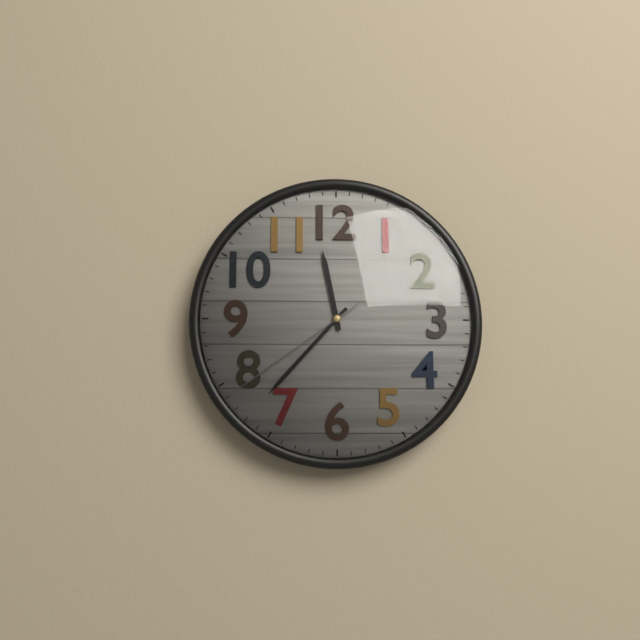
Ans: 11:37:39
